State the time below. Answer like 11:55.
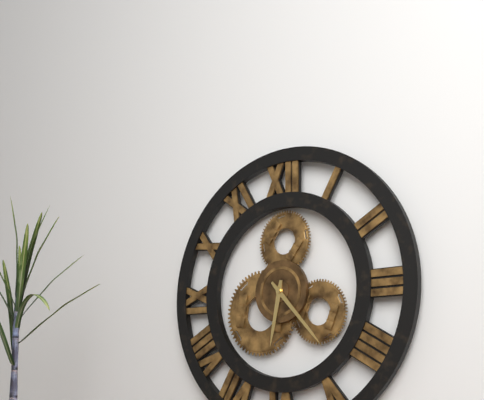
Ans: 6:23
